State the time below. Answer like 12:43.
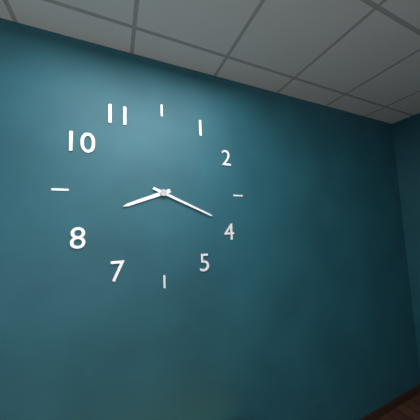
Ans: 8:19
